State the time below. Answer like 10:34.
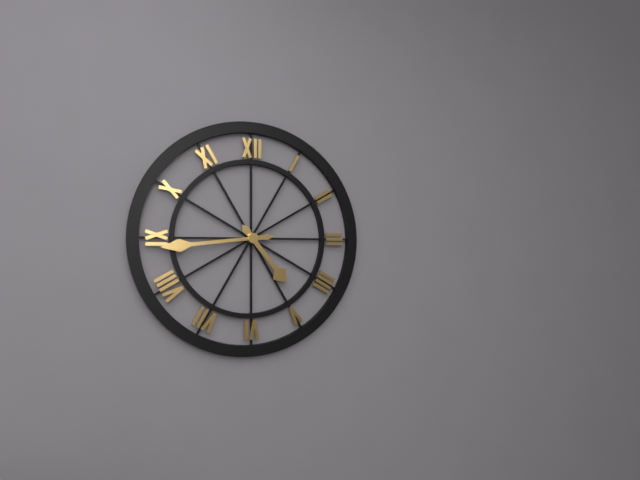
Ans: 4:44
